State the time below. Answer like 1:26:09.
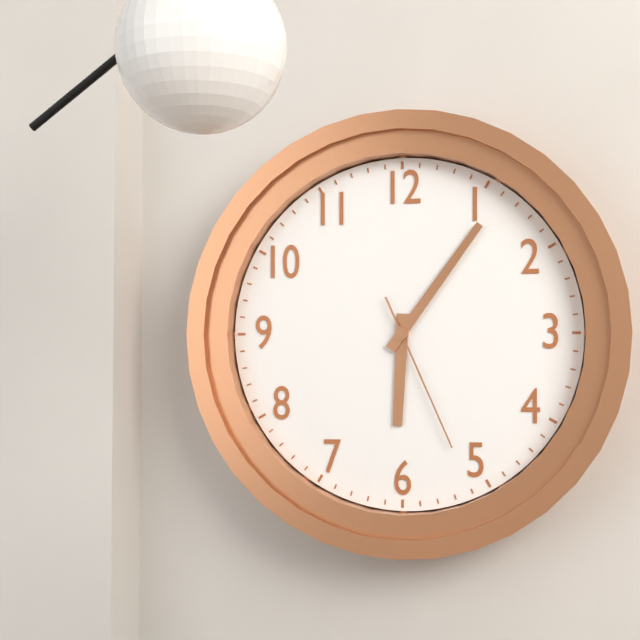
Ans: 6:06:26
